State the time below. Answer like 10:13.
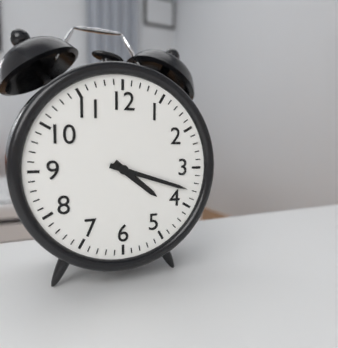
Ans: 4:18
